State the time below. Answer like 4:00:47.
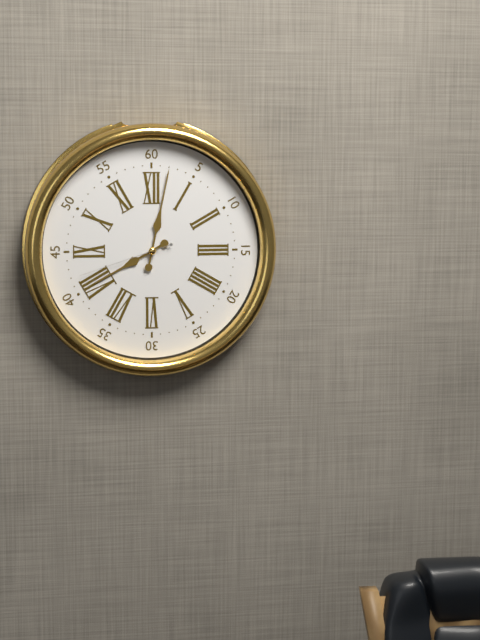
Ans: 8:02:42
